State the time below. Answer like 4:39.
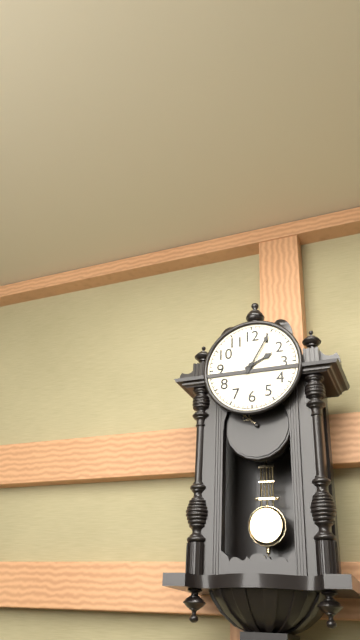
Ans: 2:05
